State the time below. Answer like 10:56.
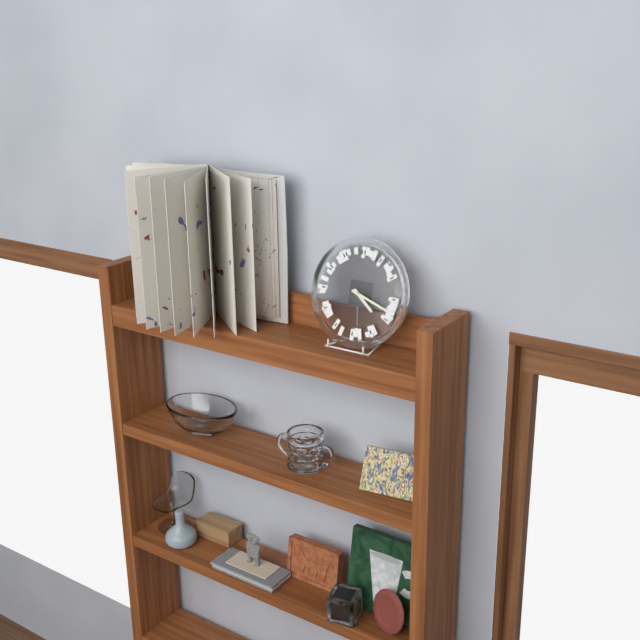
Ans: 4:18
